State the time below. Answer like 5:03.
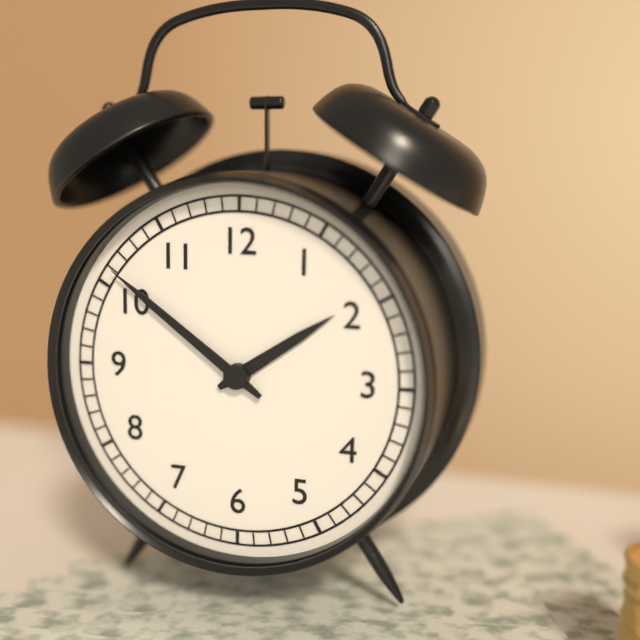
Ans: 1:51
